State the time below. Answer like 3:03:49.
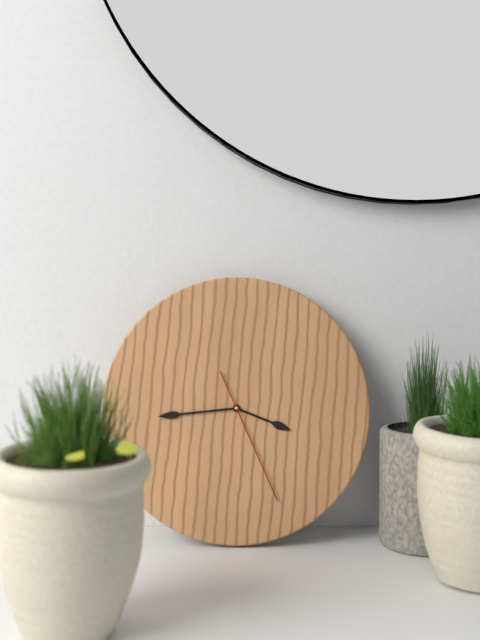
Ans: 3:44:26
